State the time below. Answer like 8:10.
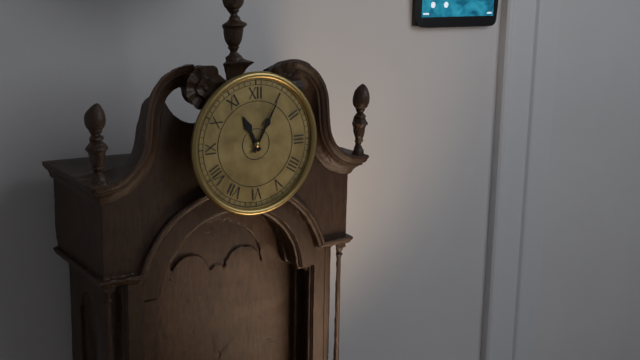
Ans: 11:05
